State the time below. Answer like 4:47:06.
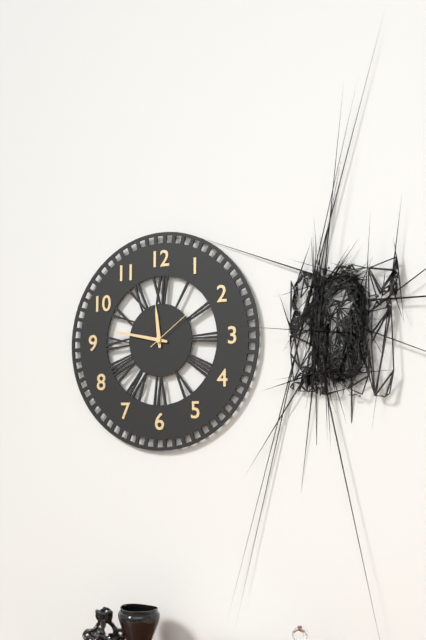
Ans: 11:47:09
